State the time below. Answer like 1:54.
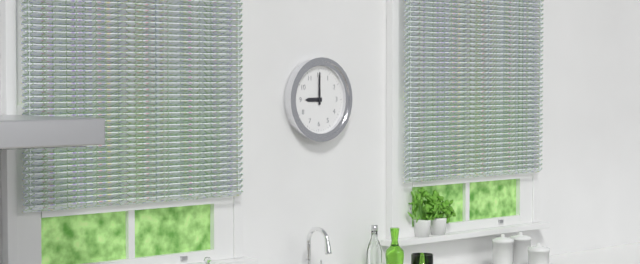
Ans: 9:00
